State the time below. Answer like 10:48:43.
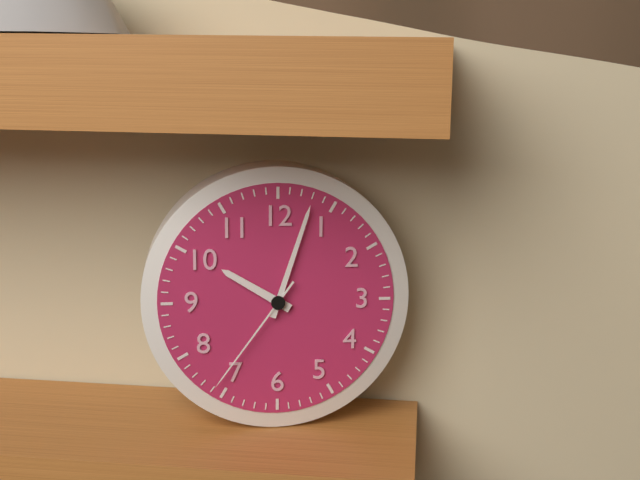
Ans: 10:03:36
